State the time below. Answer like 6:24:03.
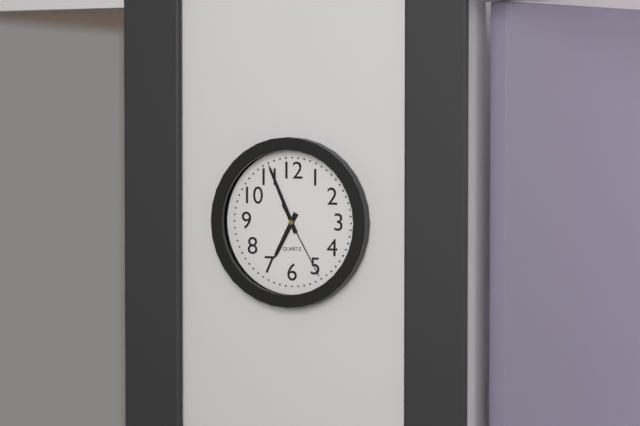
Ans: 6:56:25
